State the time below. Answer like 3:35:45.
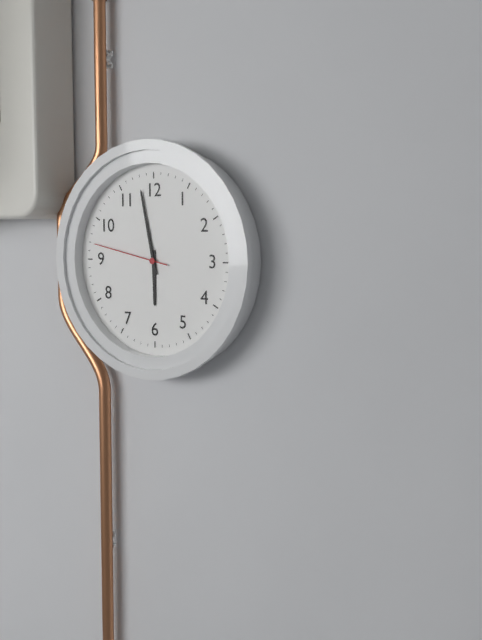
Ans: 5:58:47
